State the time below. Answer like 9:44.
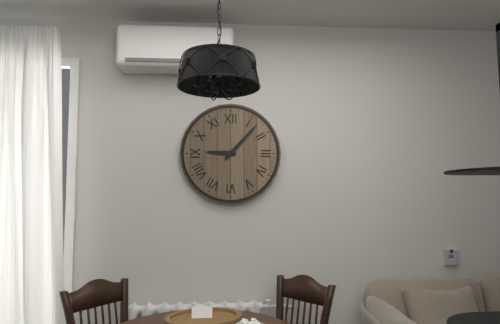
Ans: 9:07
